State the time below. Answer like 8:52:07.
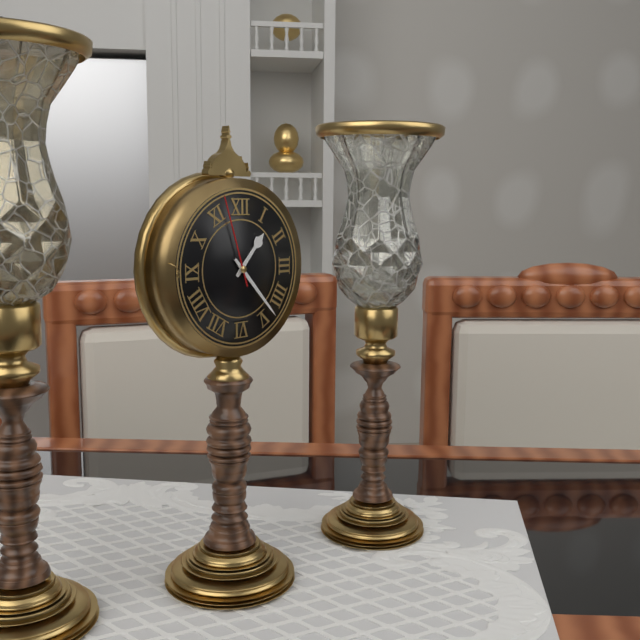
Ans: 1:23:57
